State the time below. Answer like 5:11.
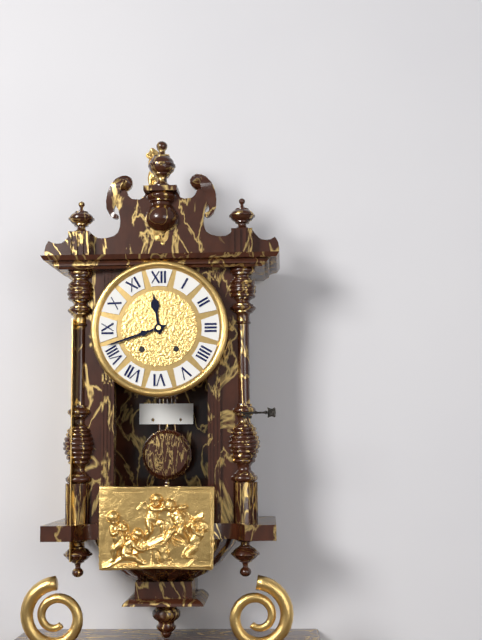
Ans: 11:42
